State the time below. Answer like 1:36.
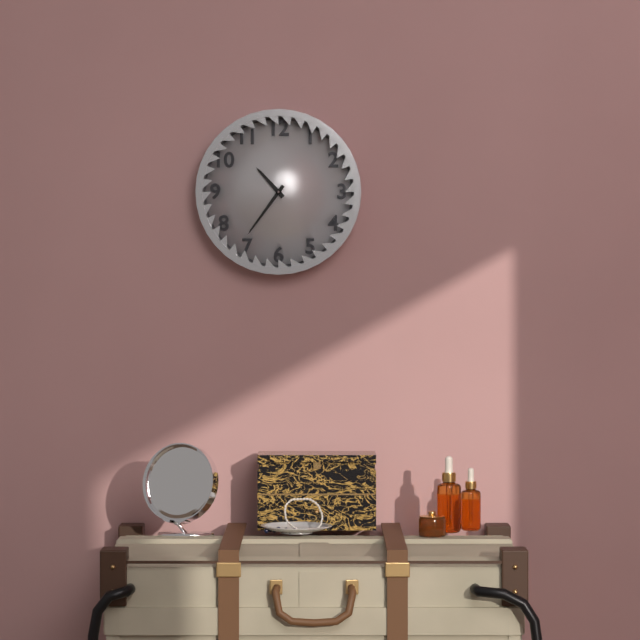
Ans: 10:36
